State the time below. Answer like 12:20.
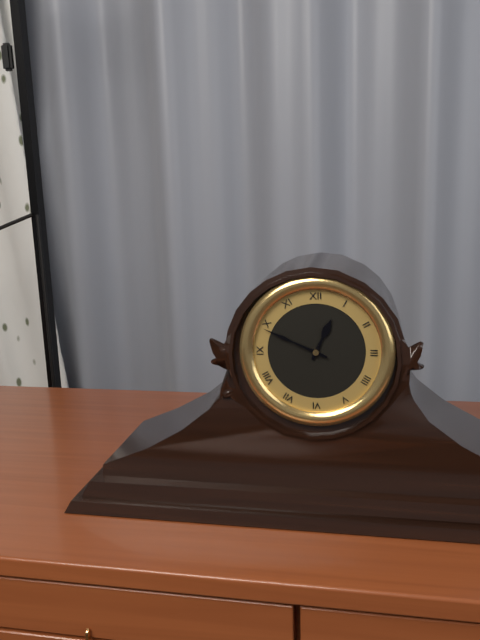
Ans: 12:49
